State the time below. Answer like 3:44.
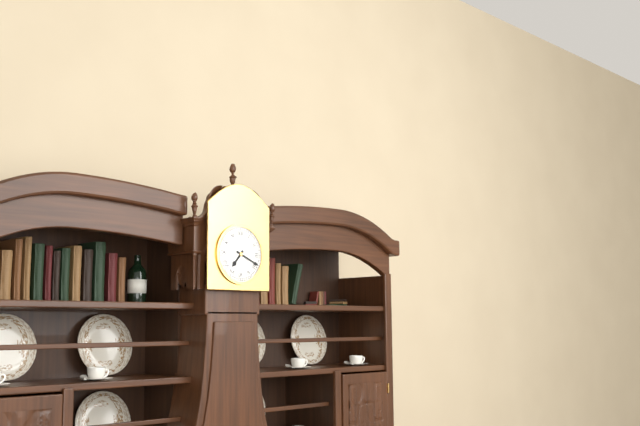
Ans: 7:19
